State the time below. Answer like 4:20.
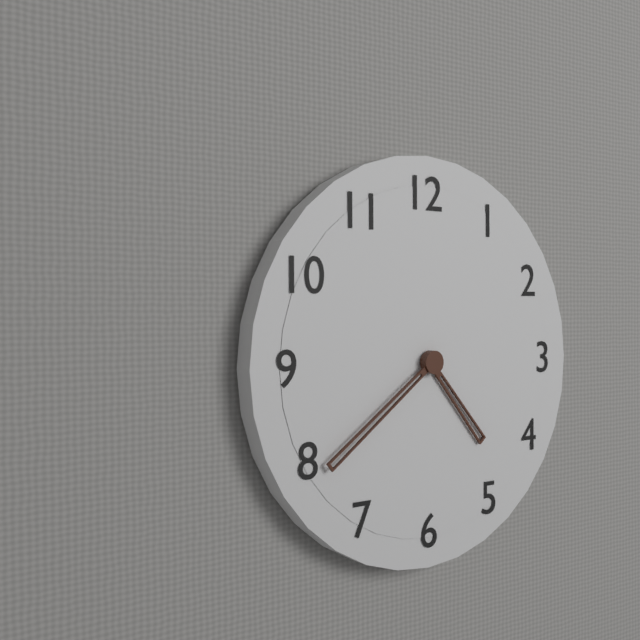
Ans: 4:39
